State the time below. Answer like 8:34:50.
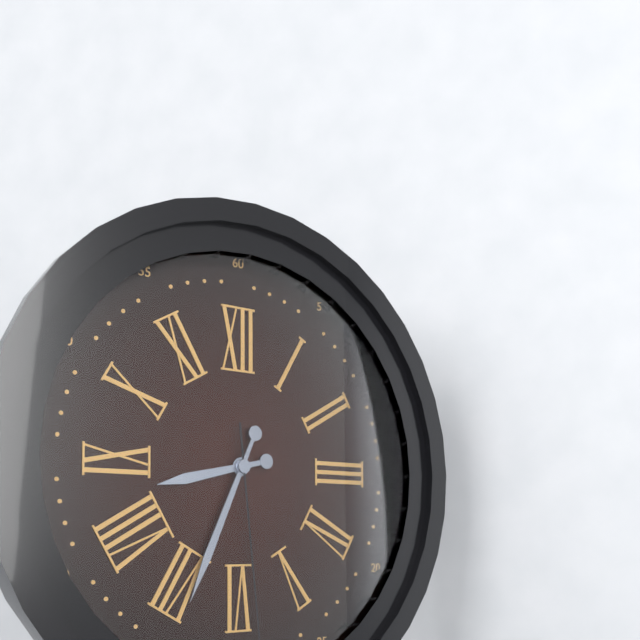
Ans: 8:34:29
